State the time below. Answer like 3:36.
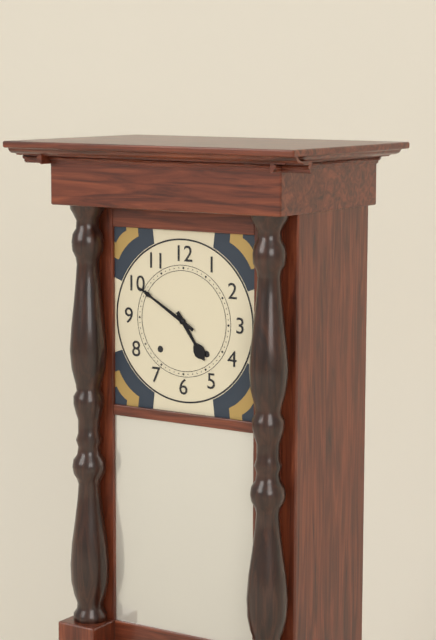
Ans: 4:50
